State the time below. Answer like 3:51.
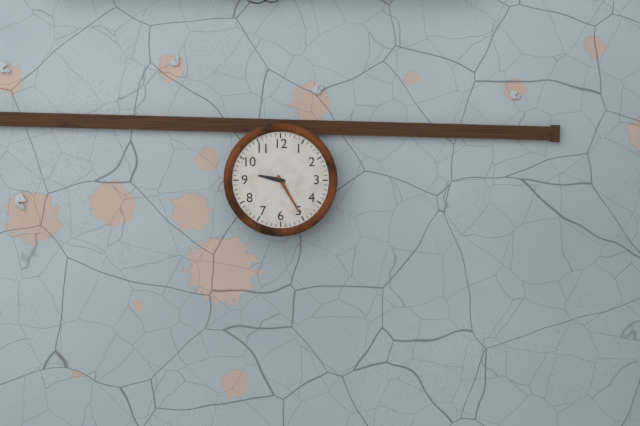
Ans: 9:25
